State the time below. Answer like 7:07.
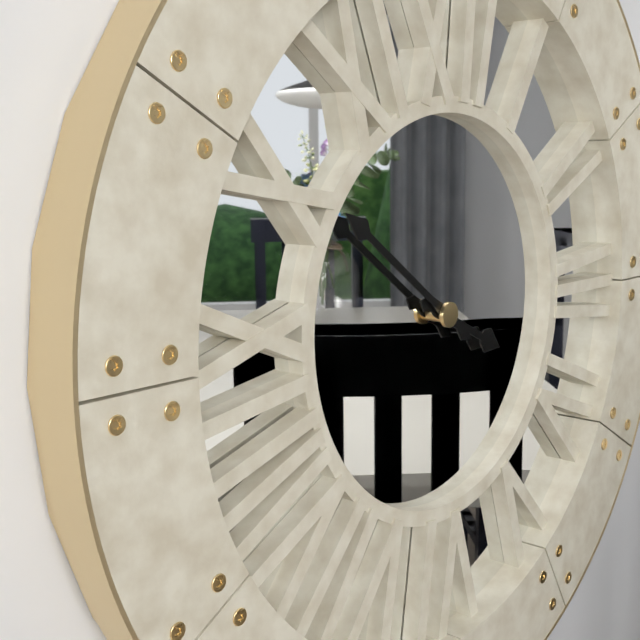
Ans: 3:51
